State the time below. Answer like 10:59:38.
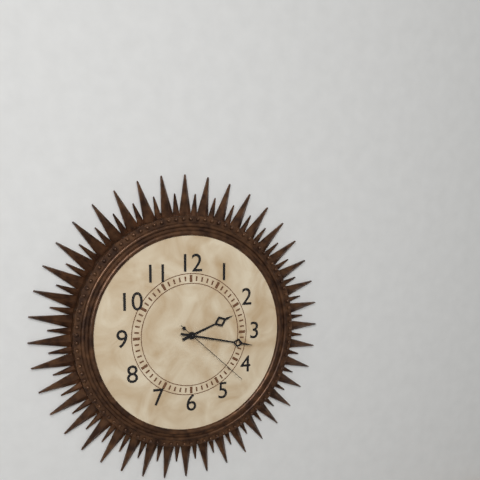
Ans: 2:17:22
